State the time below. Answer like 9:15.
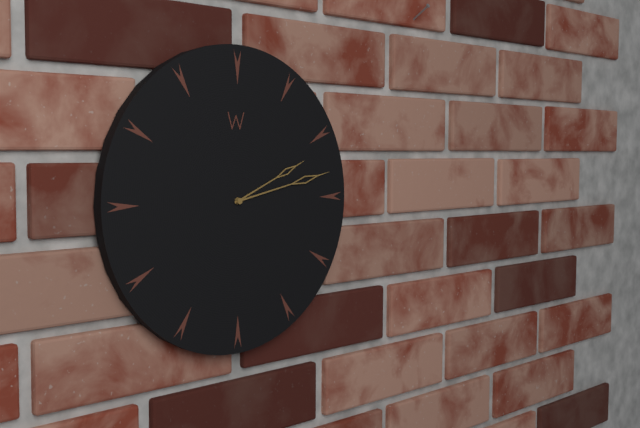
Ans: 2:13
